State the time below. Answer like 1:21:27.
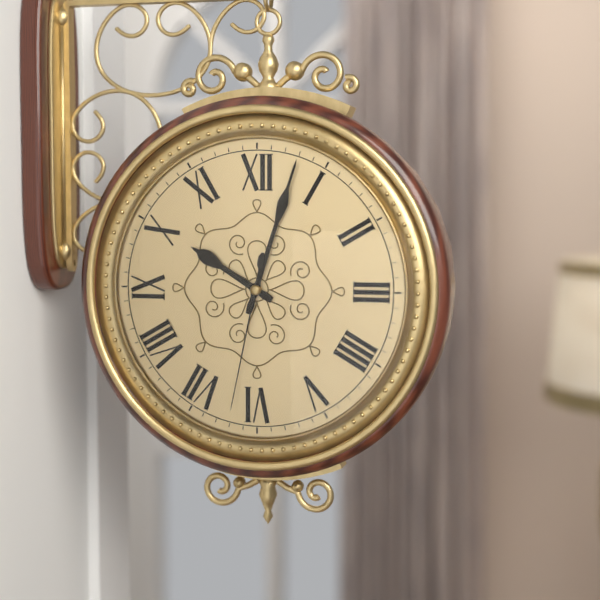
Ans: 10:03:32
